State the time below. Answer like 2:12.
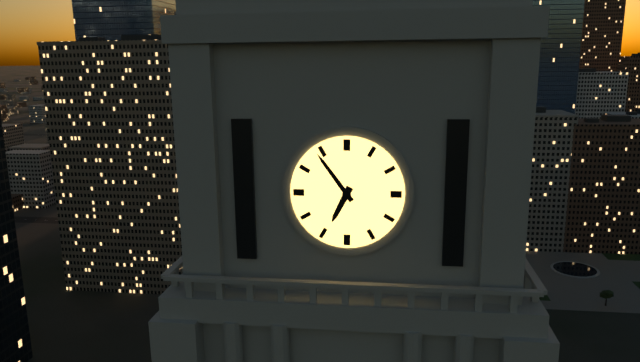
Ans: 6:54
